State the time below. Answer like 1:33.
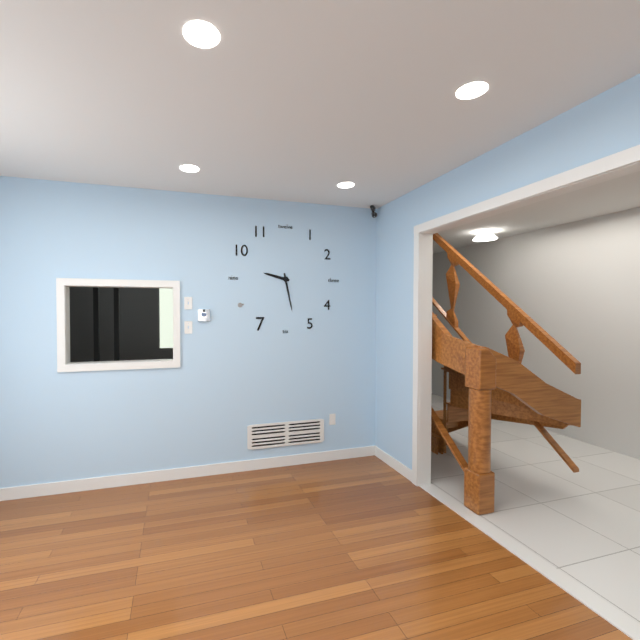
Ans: 9:28
